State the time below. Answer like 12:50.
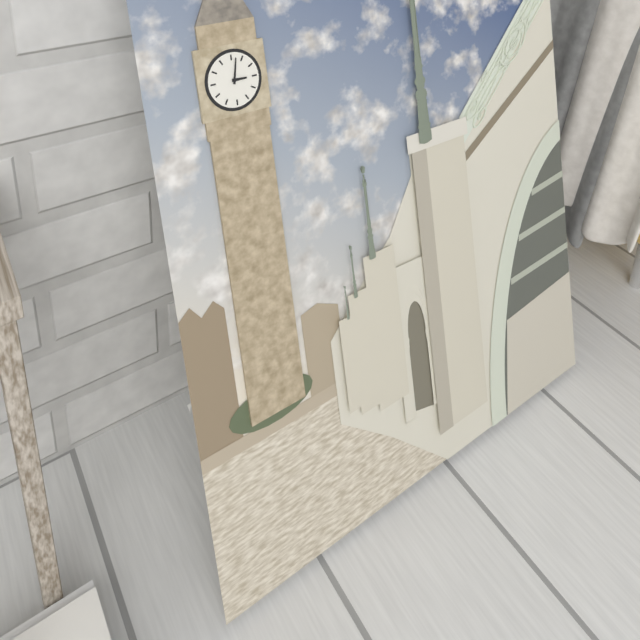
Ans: 3:02
